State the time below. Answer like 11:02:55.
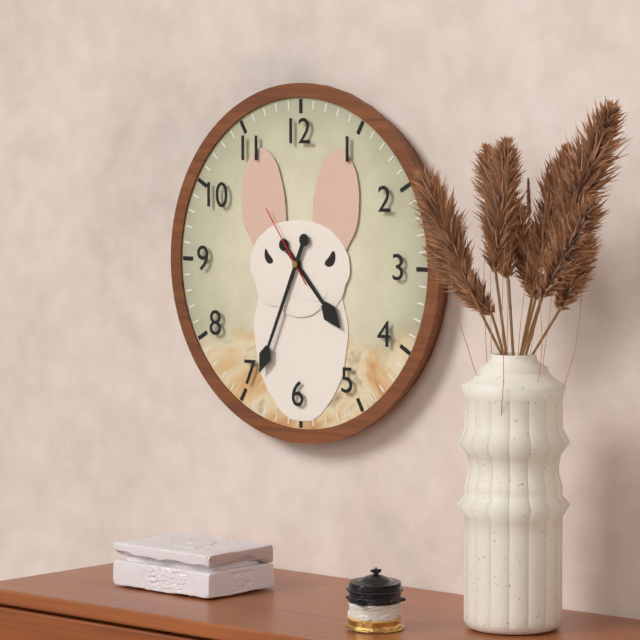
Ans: 4:34:54
